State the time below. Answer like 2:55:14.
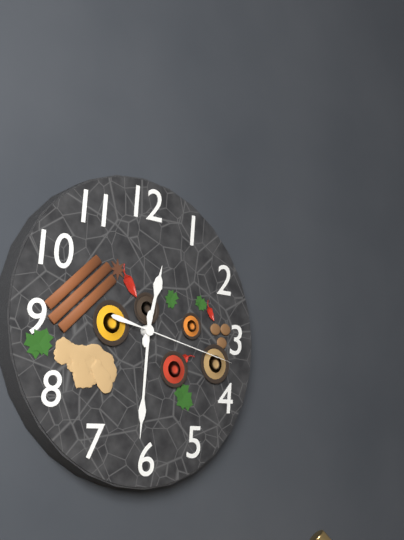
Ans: 12:31:17
